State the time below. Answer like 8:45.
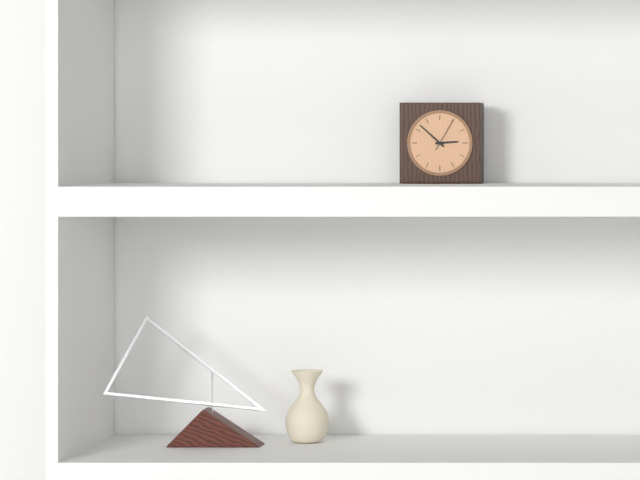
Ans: 2:52
